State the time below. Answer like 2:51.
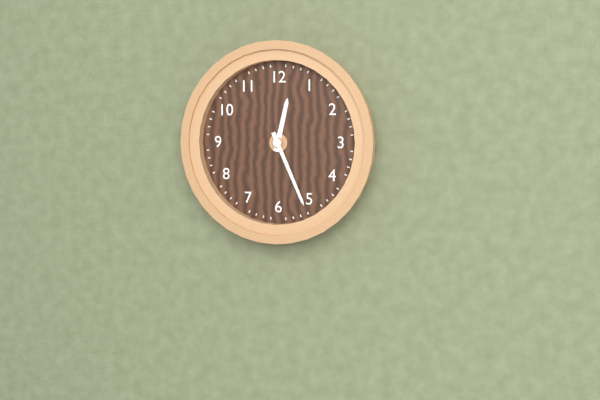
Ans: 12:26
